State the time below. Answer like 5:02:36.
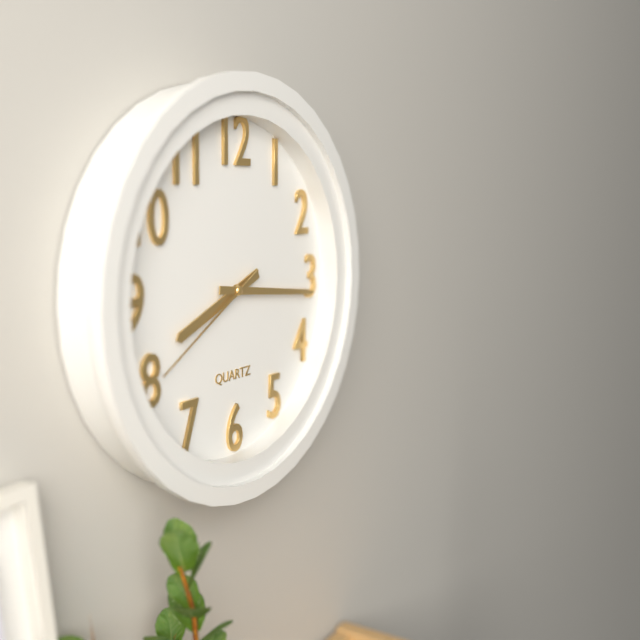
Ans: 8:16:40
